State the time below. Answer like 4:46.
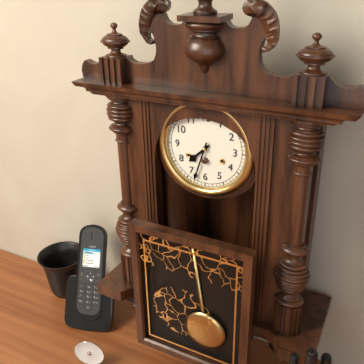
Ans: 7:33
